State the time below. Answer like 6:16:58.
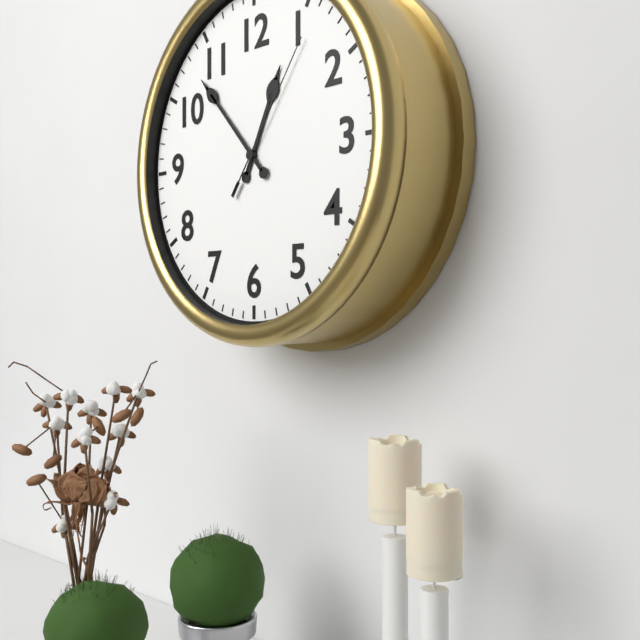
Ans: 12:53:06
